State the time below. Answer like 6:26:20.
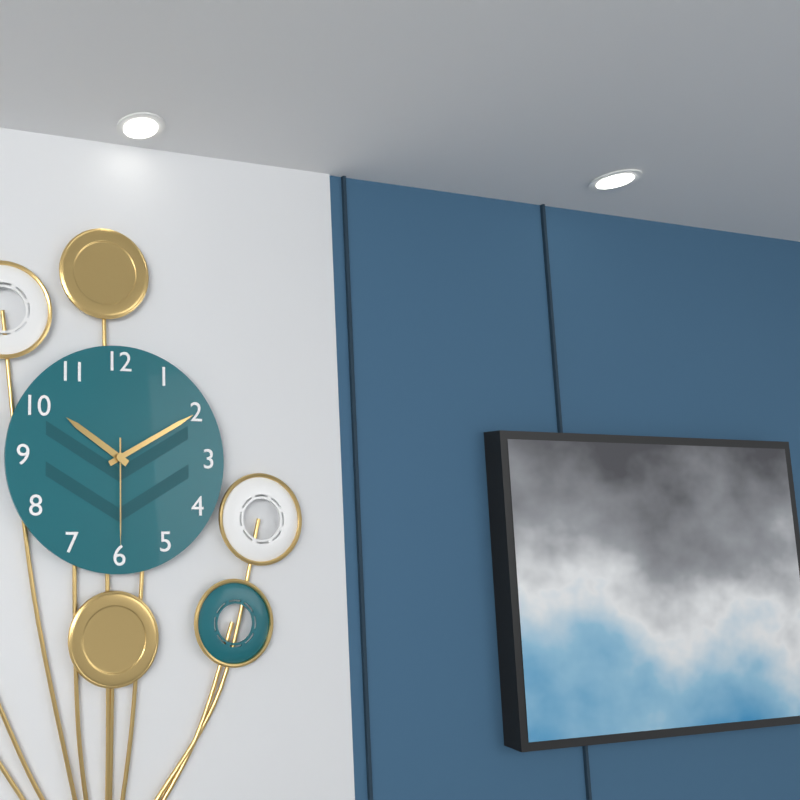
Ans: 10:10:30
